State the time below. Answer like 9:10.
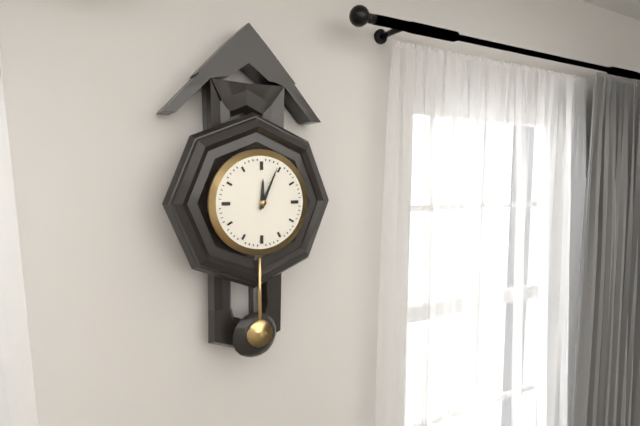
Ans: 12:04
